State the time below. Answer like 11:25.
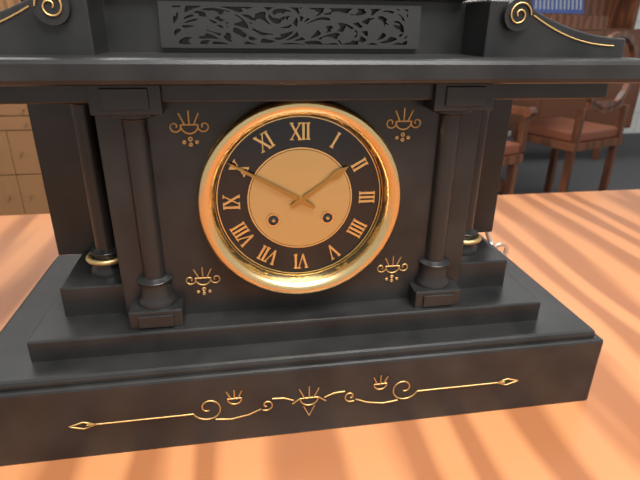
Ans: 1:50
